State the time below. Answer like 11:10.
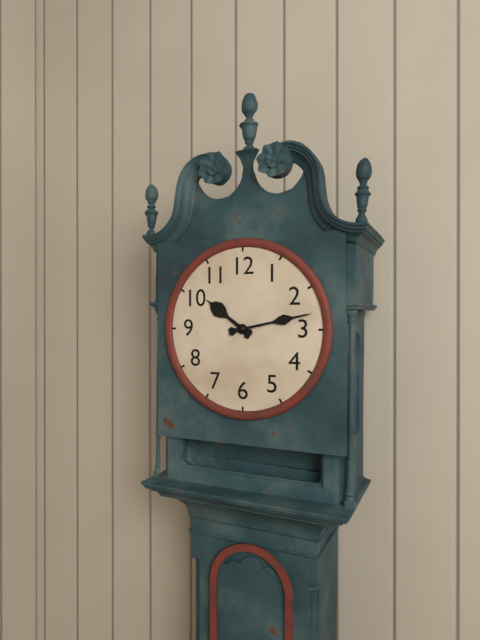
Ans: 10:13
